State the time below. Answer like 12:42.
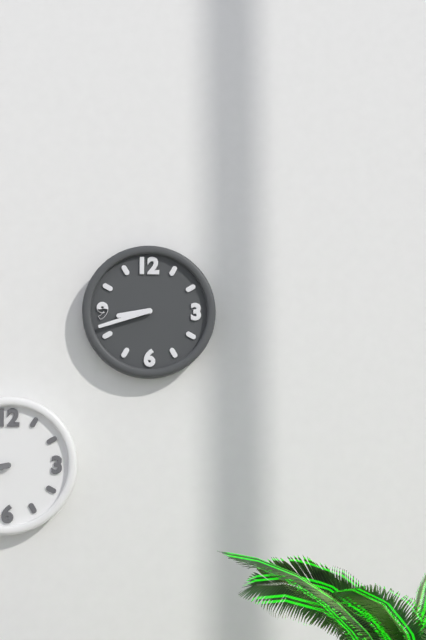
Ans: 8:42
